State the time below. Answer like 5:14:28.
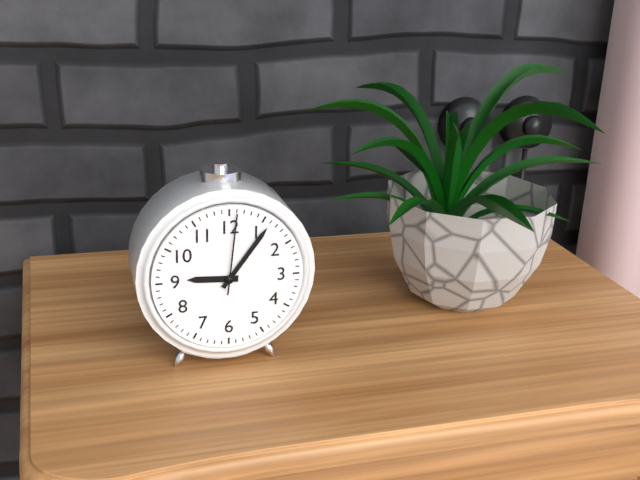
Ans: 9:06:01
